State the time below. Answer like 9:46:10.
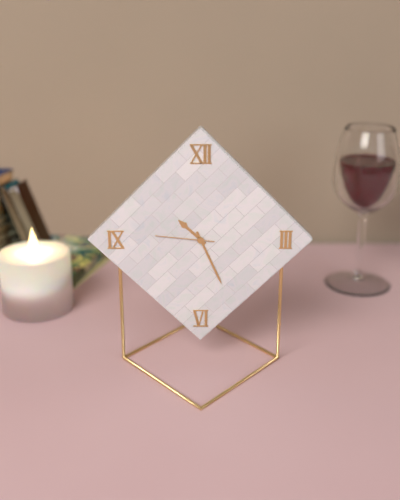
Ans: 10:26:46
